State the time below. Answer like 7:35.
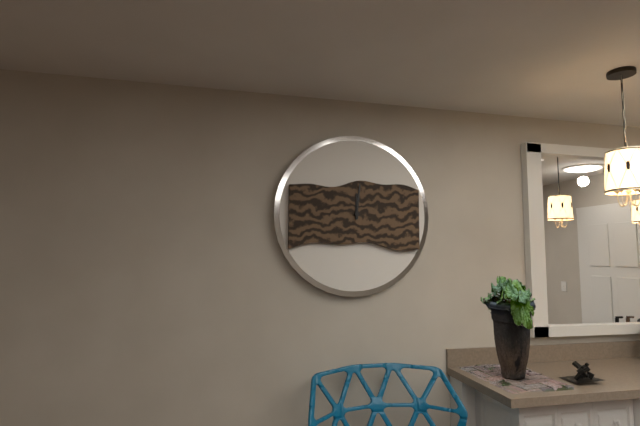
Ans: 12:01
